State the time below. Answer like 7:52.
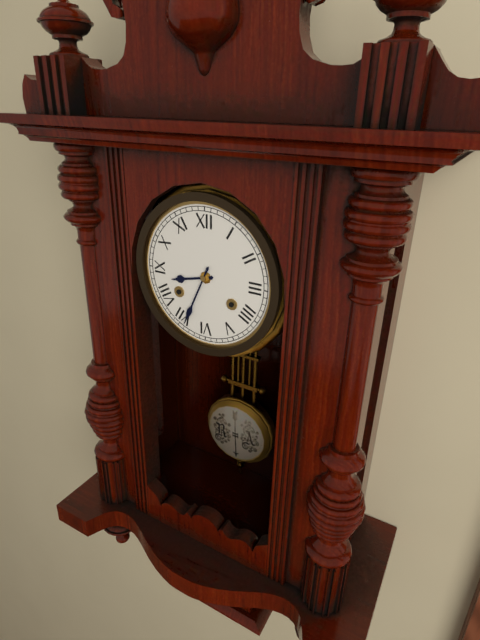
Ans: 8:34
